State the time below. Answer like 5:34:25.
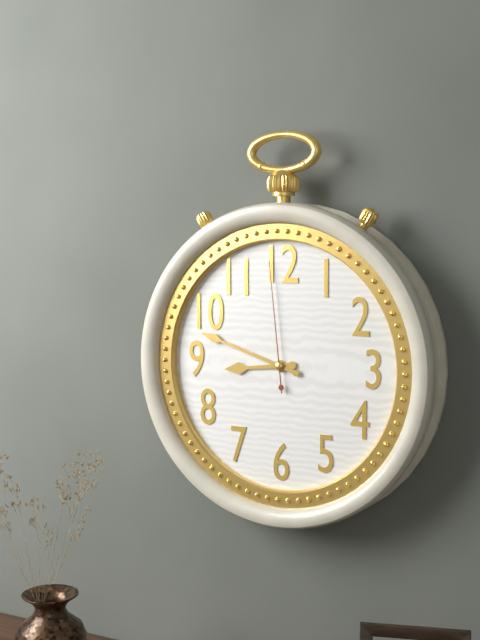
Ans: 8:48:59
